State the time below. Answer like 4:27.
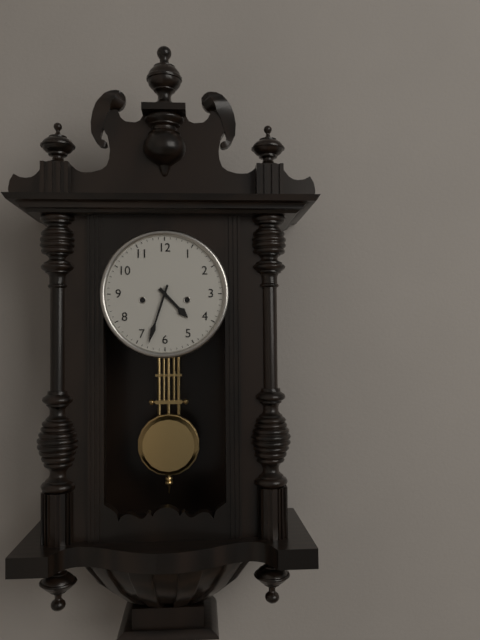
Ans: 4:33
